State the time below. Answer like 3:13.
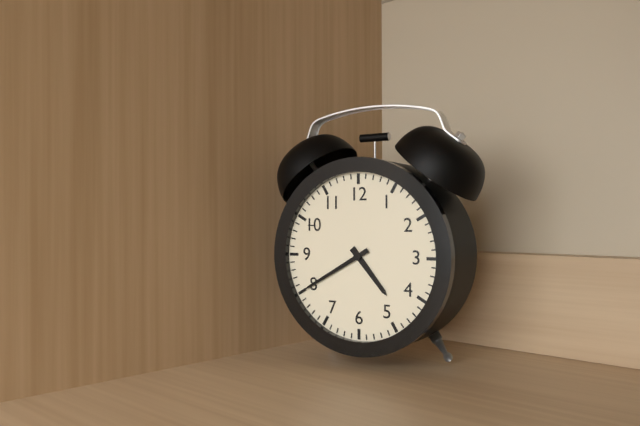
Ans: 4:40
